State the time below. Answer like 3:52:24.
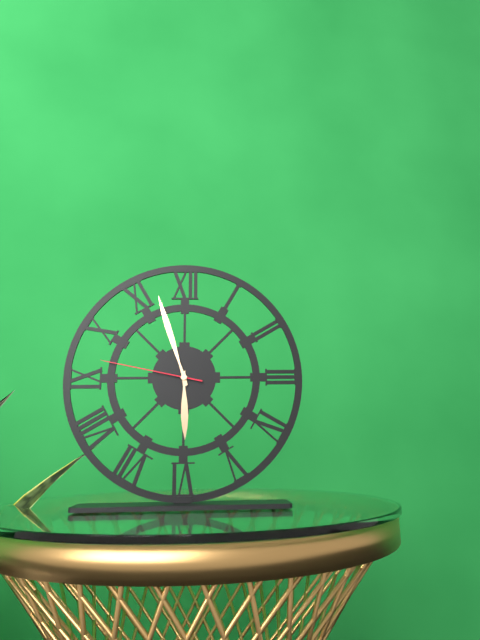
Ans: 5:57:47
